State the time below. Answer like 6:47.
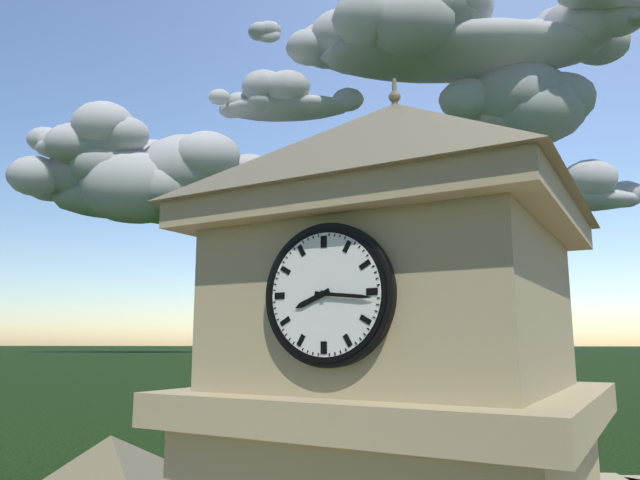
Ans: 8:16
